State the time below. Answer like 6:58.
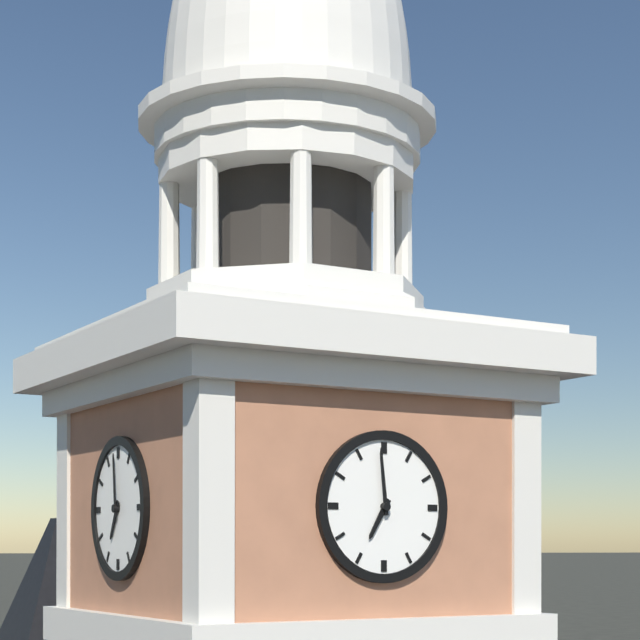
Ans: 6:59
